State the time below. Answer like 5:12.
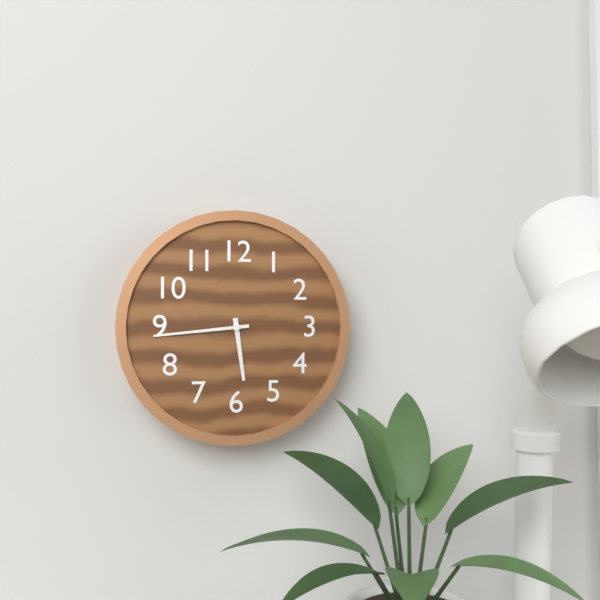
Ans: 5:44
